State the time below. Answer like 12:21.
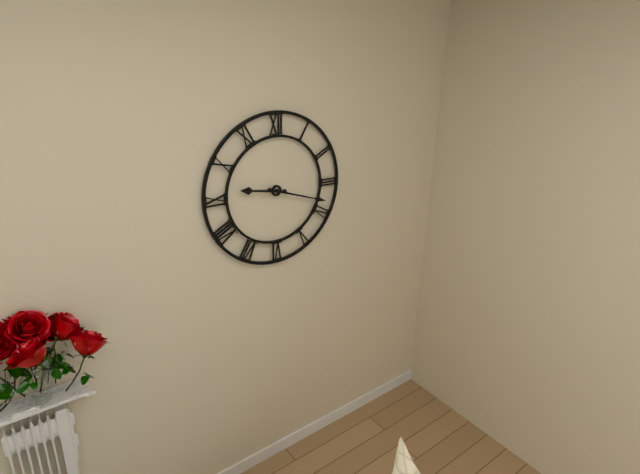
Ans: 9:18
